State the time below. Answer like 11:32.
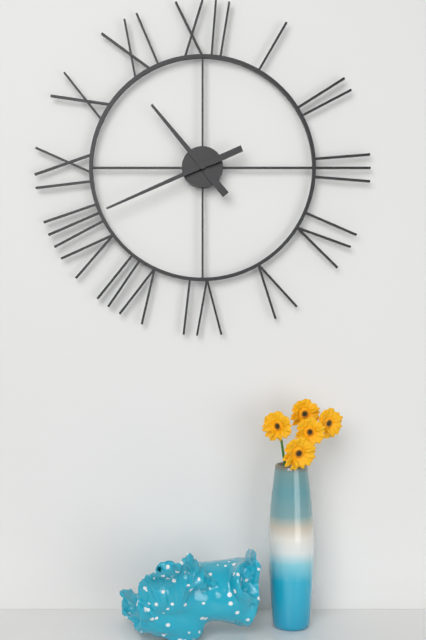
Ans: 10:41
